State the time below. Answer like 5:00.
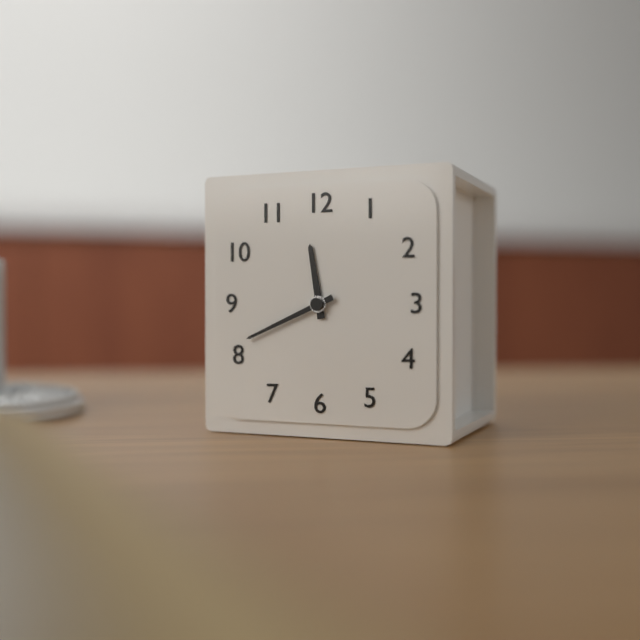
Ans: 11:41
